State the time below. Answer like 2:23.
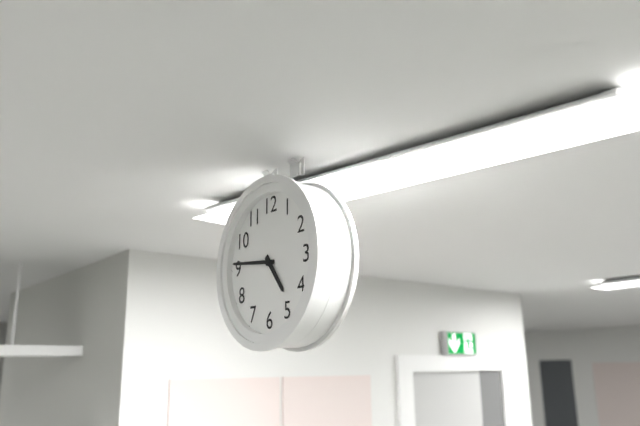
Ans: 4:46
